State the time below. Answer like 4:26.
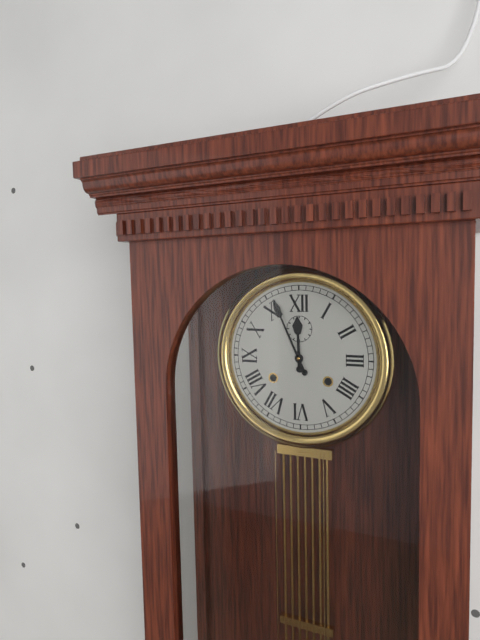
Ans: 11:56
